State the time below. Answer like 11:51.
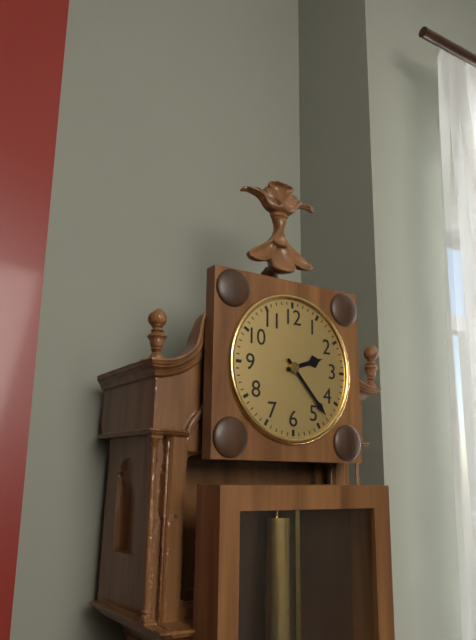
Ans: 2:23
